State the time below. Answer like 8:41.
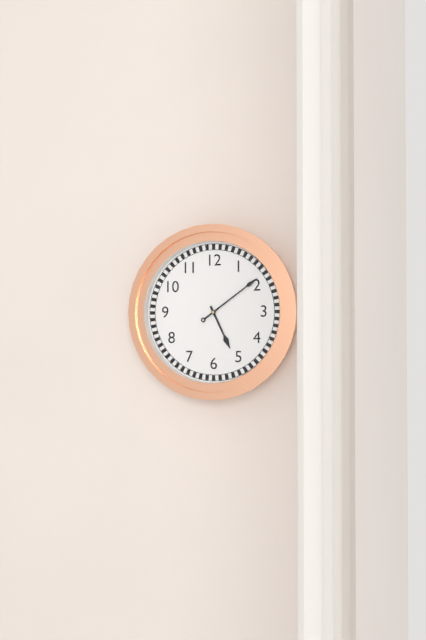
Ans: 5:09
